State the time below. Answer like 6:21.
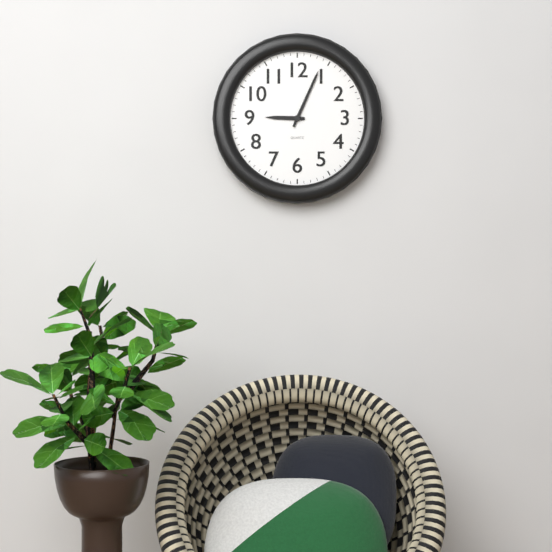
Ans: 9:04
